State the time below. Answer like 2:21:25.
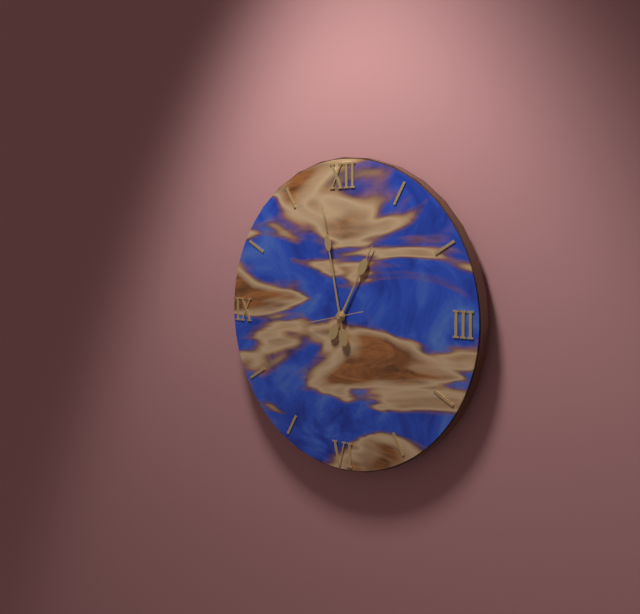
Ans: 12:58:43
